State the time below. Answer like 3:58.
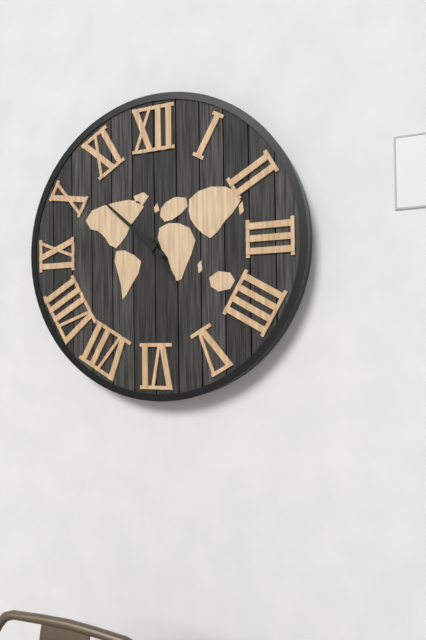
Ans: 4:52
